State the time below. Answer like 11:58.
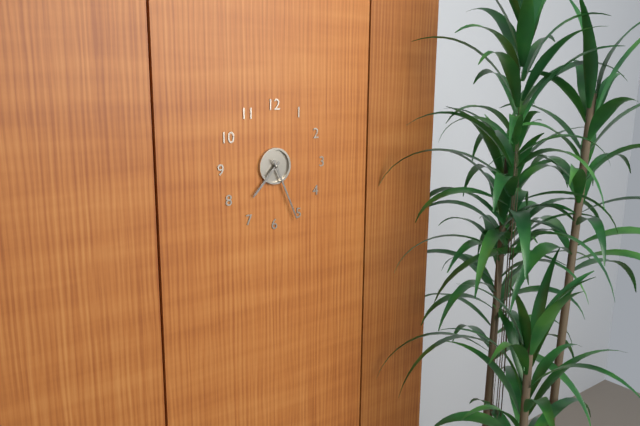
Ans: 7:26
